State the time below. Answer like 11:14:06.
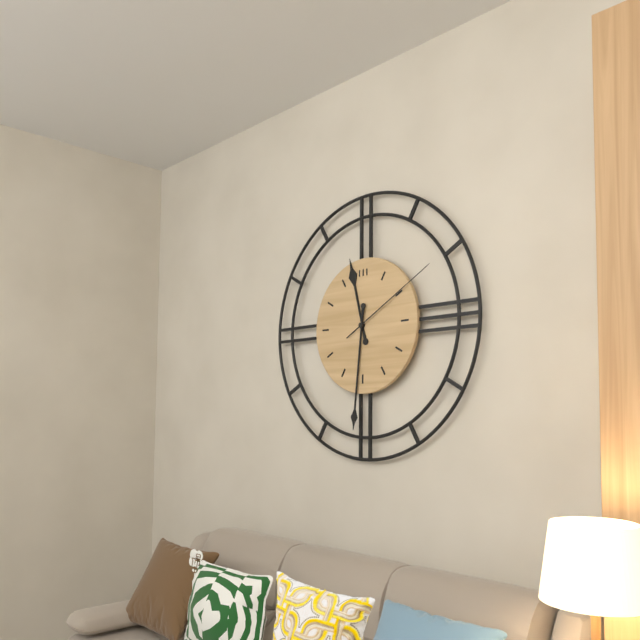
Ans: 11:31:10
